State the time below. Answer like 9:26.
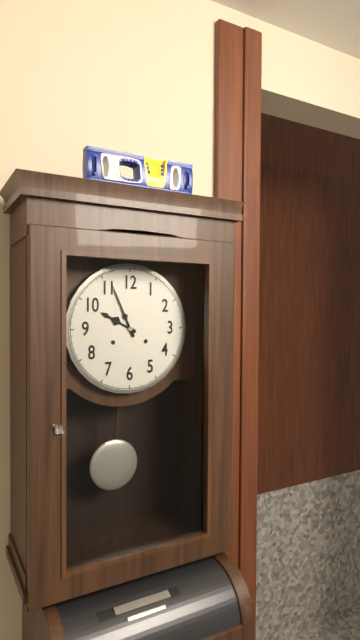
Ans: 9:56
